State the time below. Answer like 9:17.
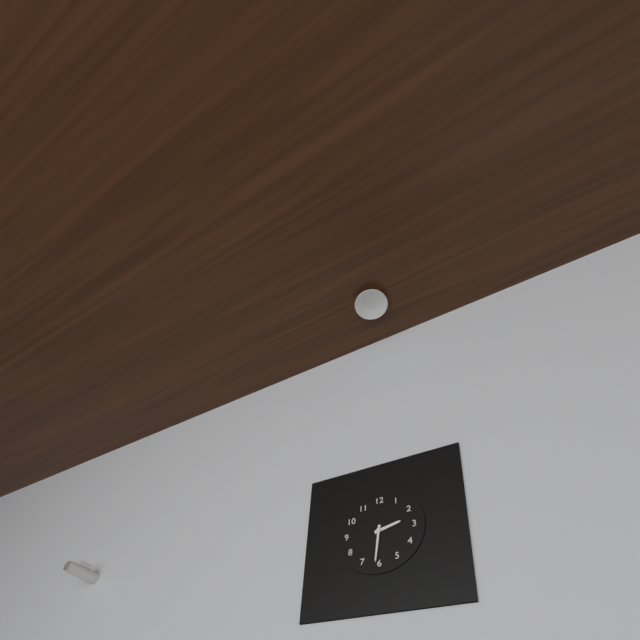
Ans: 2:31
